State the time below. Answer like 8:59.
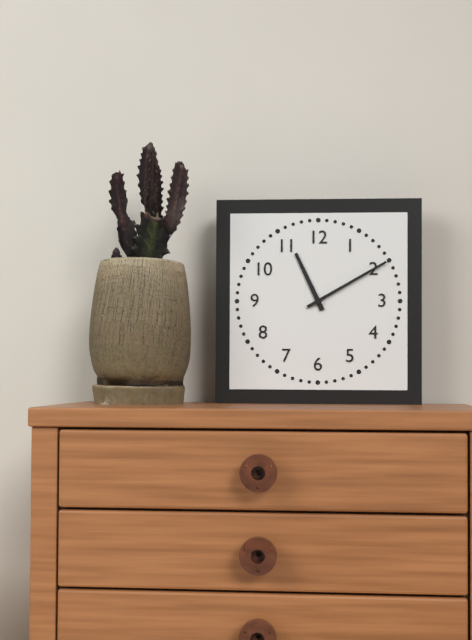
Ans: 11:10
